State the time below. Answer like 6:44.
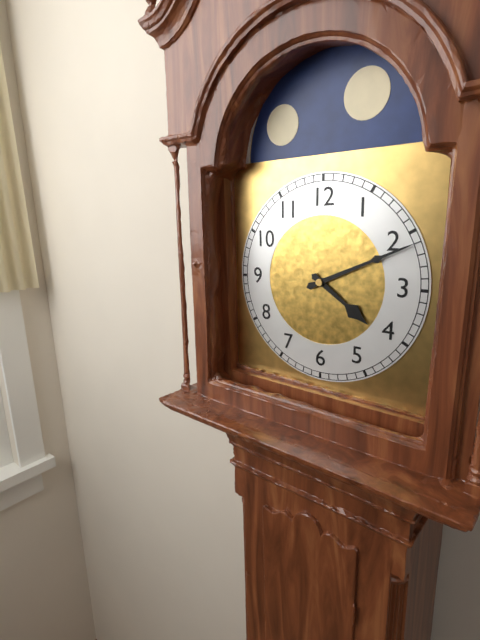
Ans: 4:11
